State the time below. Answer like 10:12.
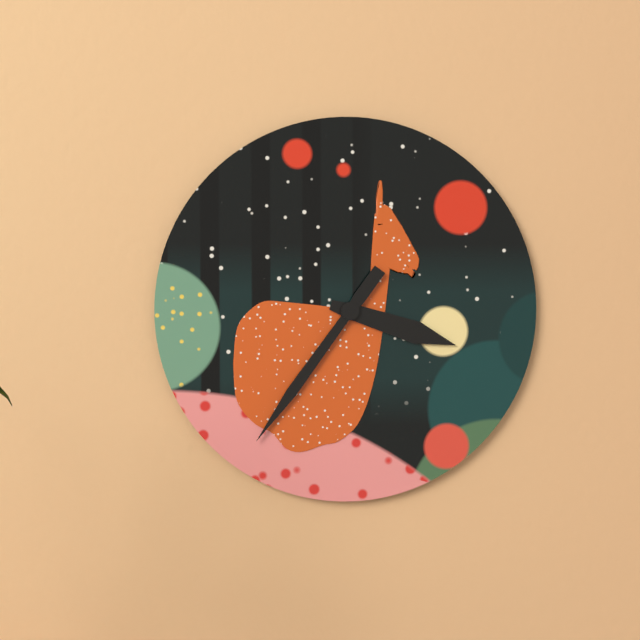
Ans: 3:36
